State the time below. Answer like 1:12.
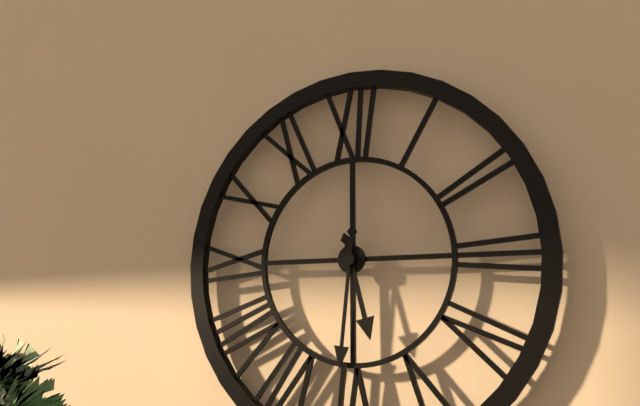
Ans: 5:31
